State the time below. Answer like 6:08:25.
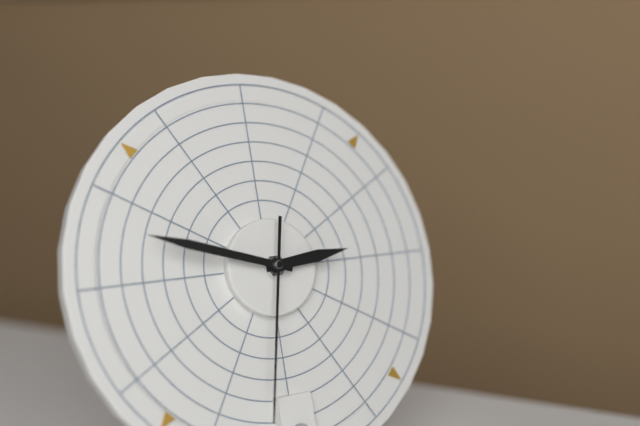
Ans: 2:48:32
